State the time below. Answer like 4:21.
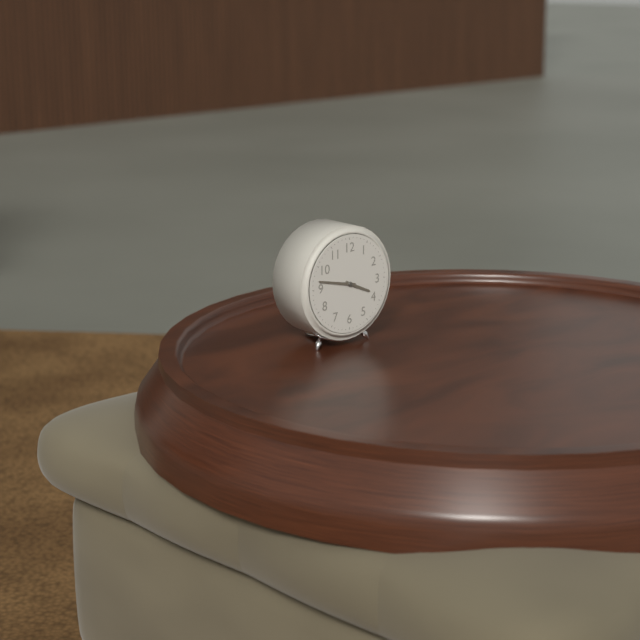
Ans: 3:47
